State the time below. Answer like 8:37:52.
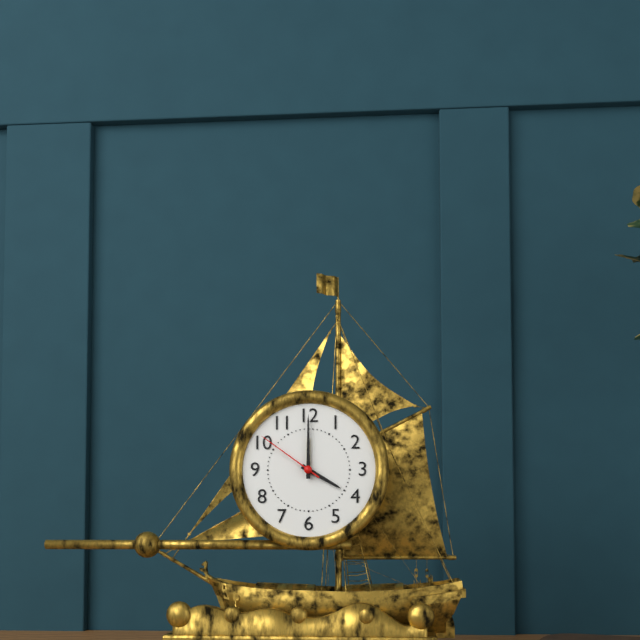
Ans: 4:00:51
